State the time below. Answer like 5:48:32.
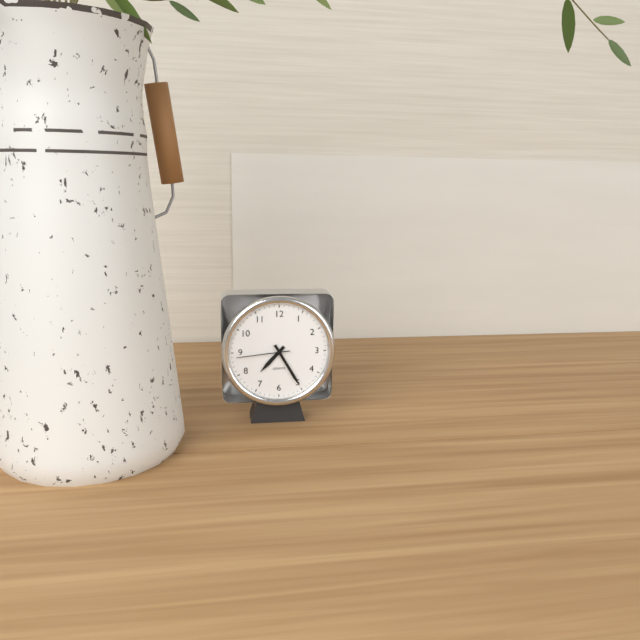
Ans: 7:25:44
